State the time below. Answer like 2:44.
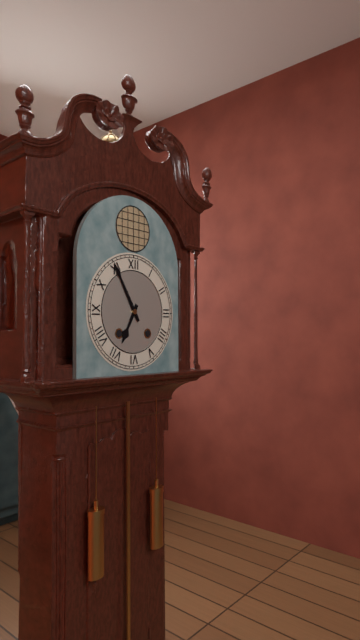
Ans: 6:55
